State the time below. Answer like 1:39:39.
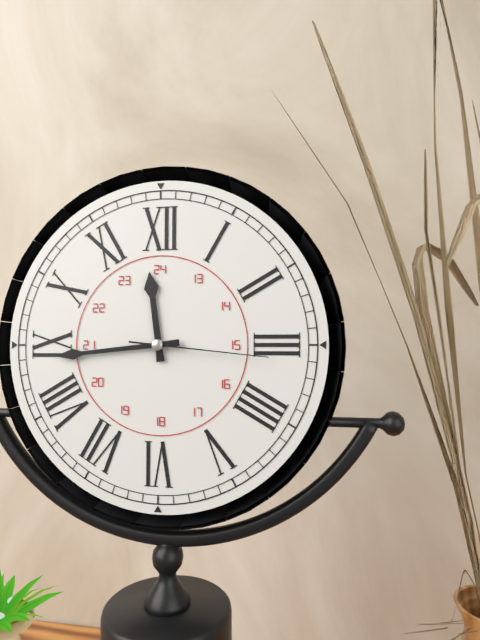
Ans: 11:44:16
